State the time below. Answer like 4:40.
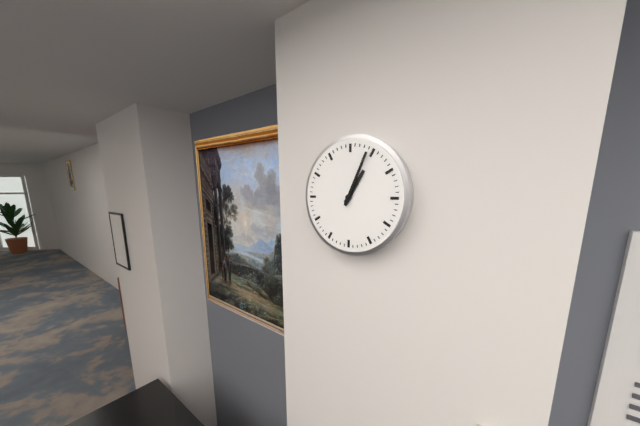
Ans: 1:04
